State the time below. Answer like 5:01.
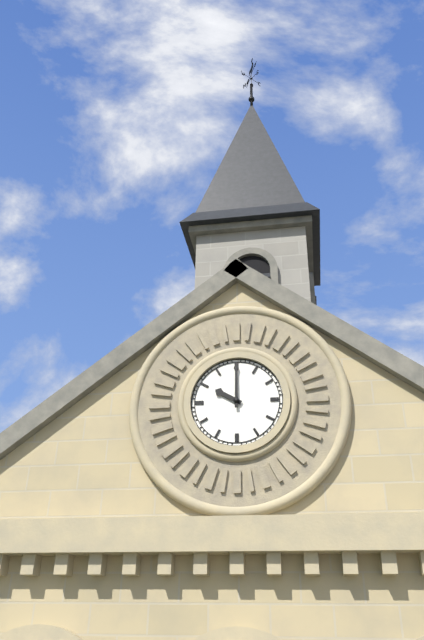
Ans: 10:00
